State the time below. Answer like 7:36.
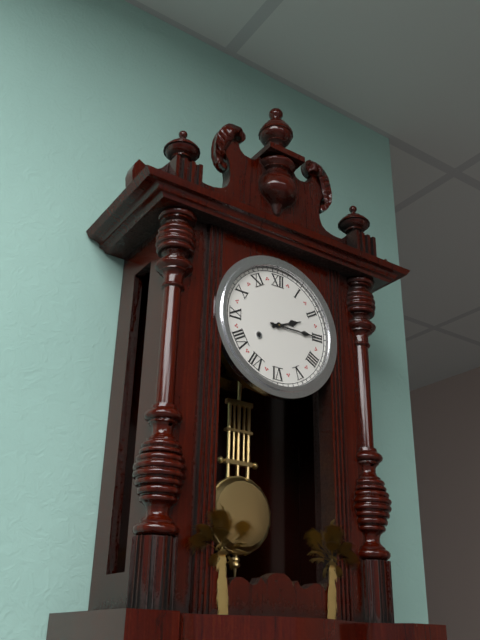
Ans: 2:15
